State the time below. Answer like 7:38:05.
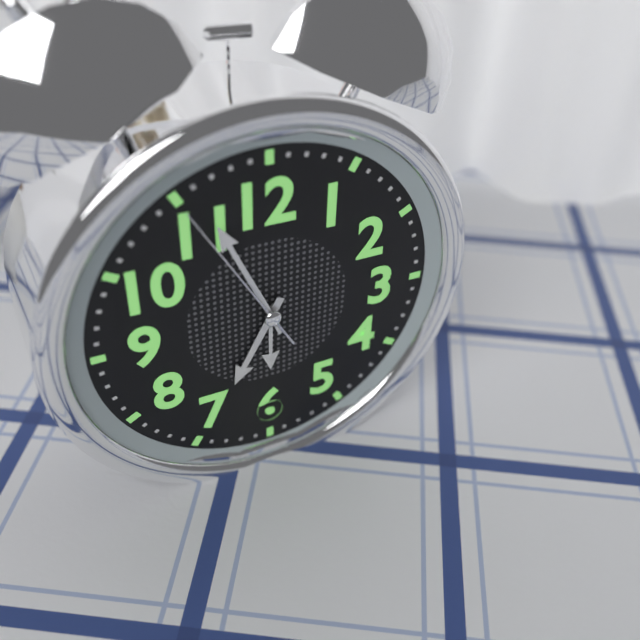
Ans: 6:56:55
